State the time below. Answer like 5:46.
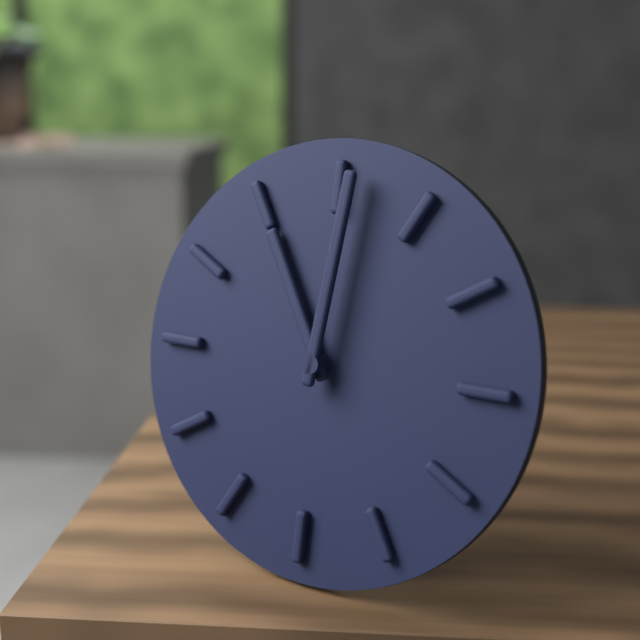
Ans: 11:01
